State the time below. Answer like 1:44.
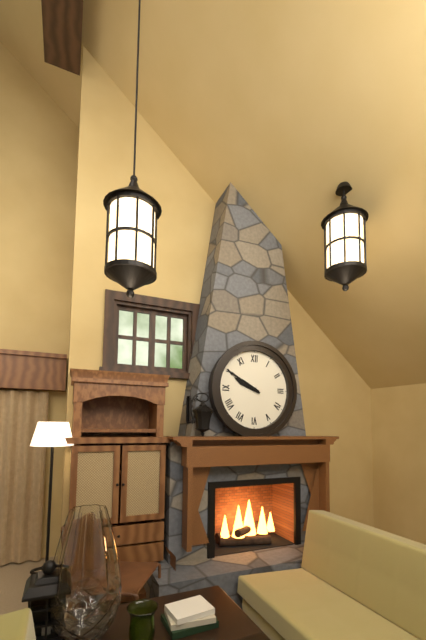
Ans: 9:50
